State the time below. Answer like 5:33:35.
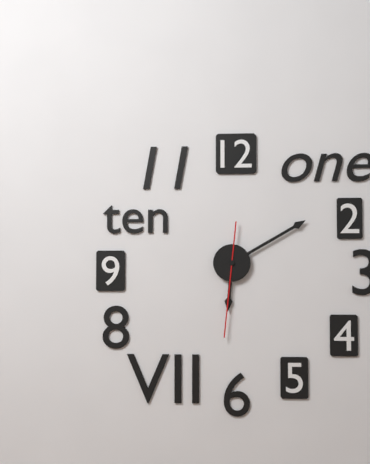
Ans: 6:10:31
